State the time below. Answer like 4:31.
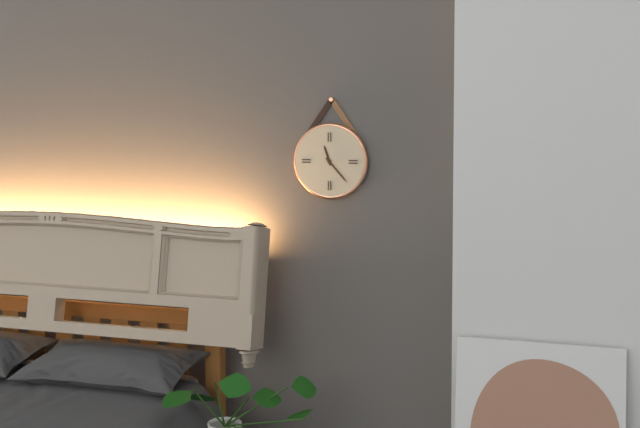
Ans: 11:23
